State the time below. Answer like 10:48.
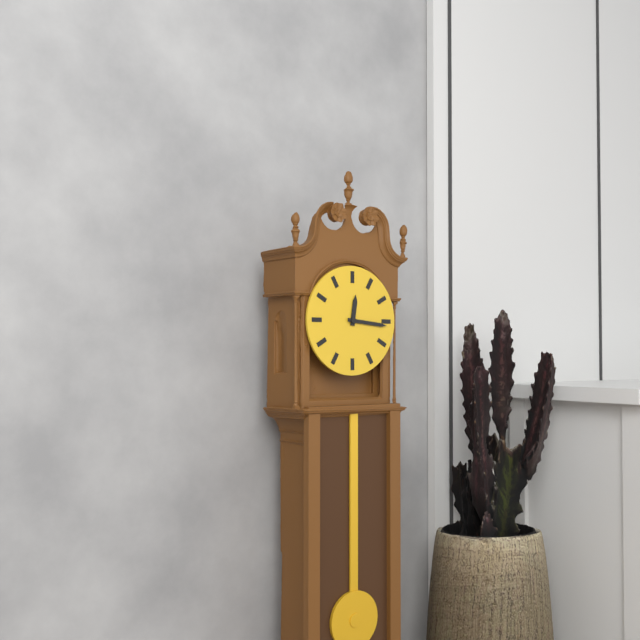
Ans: 12:16
